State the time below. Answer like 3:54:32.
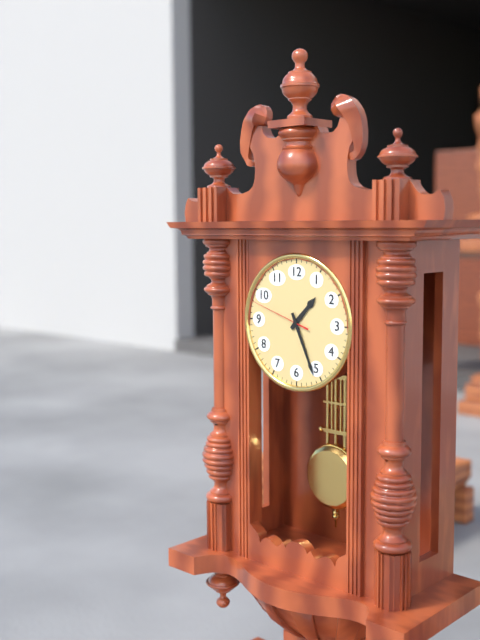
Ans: 1:26:48
